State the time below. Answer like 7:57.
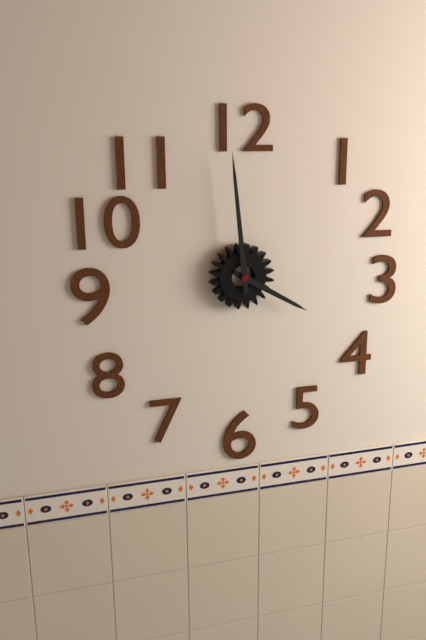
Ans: 3:59
